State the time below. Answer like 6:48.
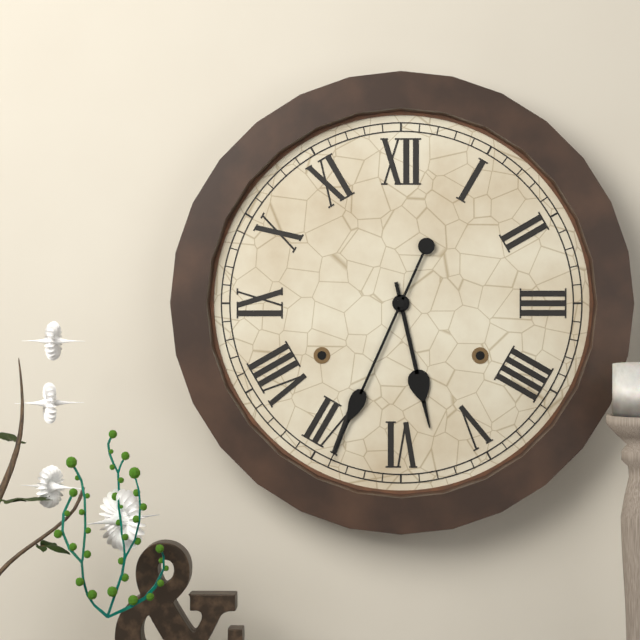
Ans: 5:34
